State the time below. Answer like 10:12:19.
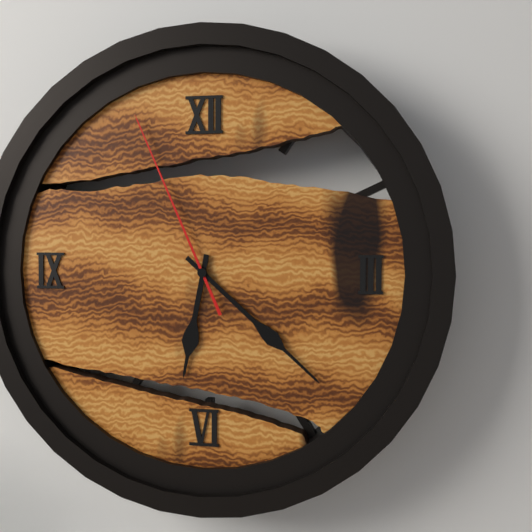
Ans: 6:22:56
